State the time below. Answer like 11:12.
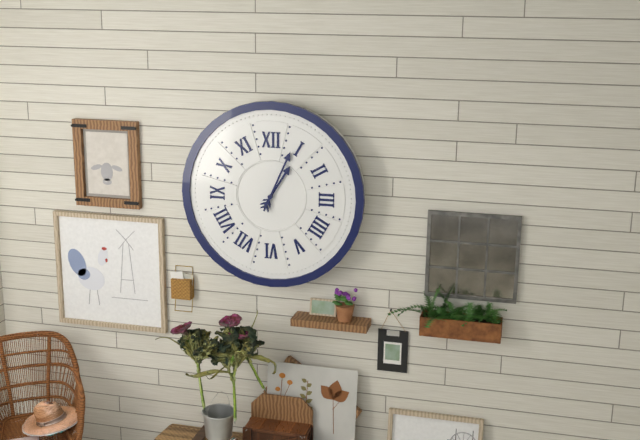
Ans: 1:04
